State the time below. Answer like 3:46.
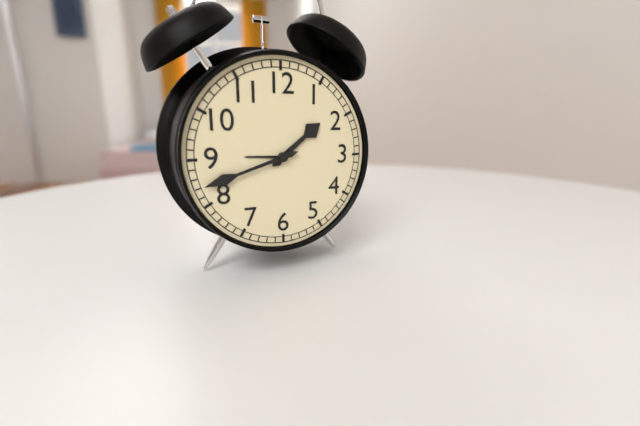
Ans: 1:42
